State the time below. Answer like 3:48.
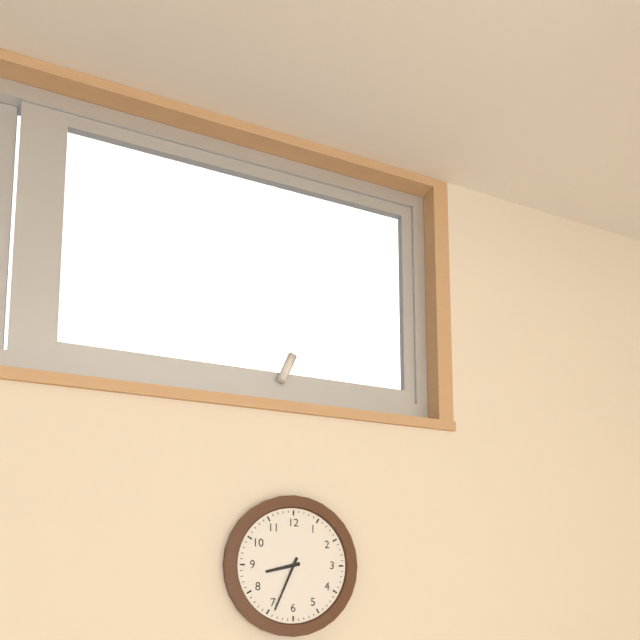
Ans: 8:34
